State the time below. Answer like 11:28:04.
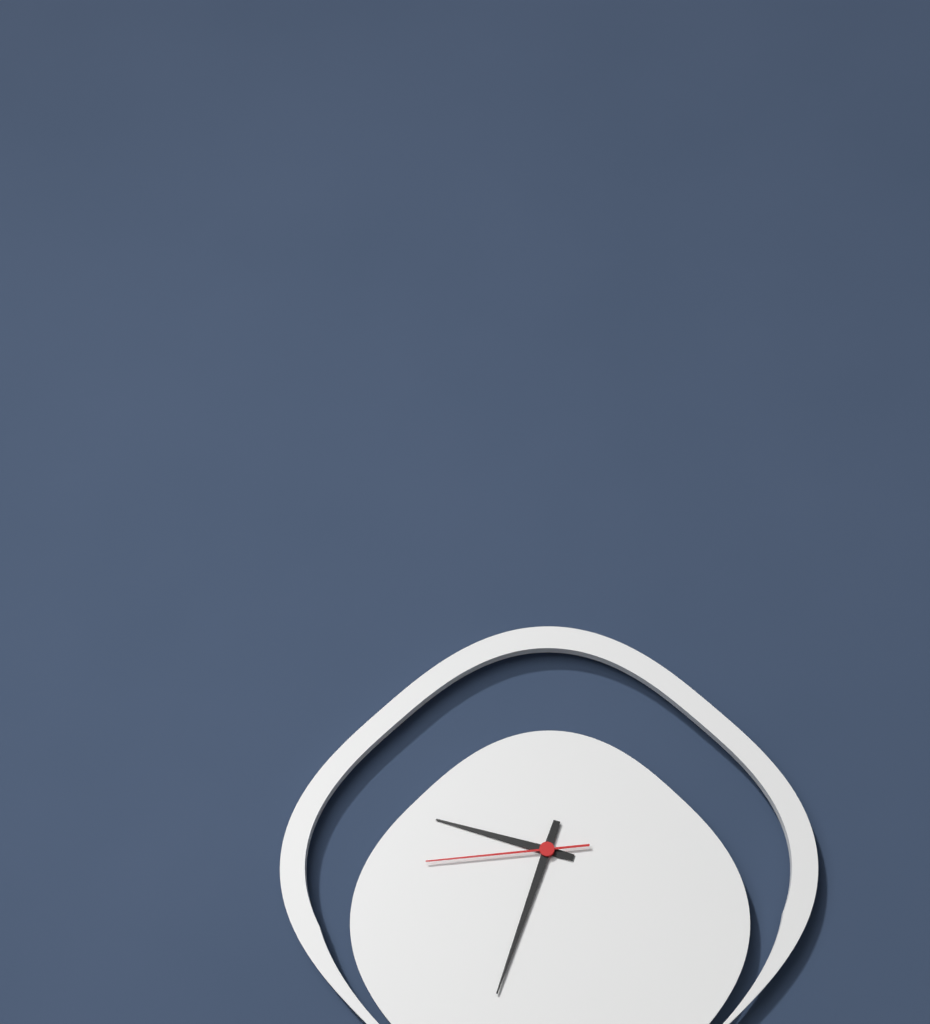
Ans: 9:33:44
